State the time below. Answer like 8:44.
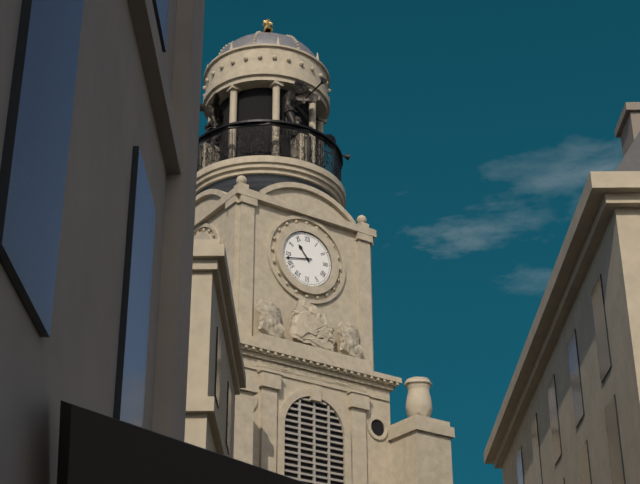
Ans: 10:43
